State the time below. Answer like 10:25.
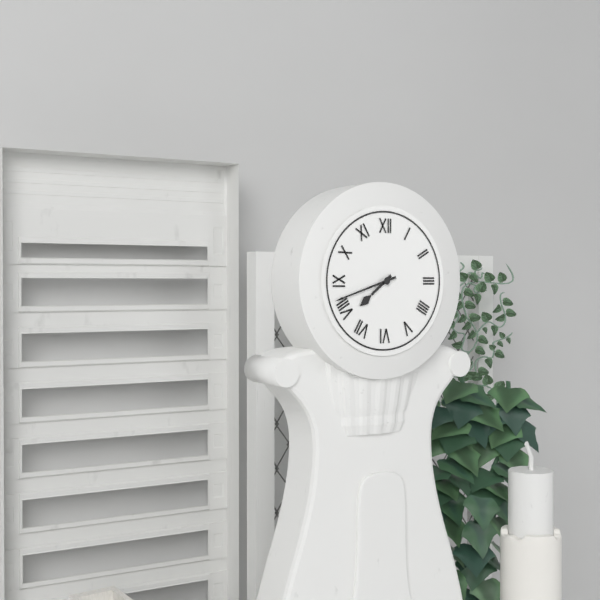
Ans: 7:42
